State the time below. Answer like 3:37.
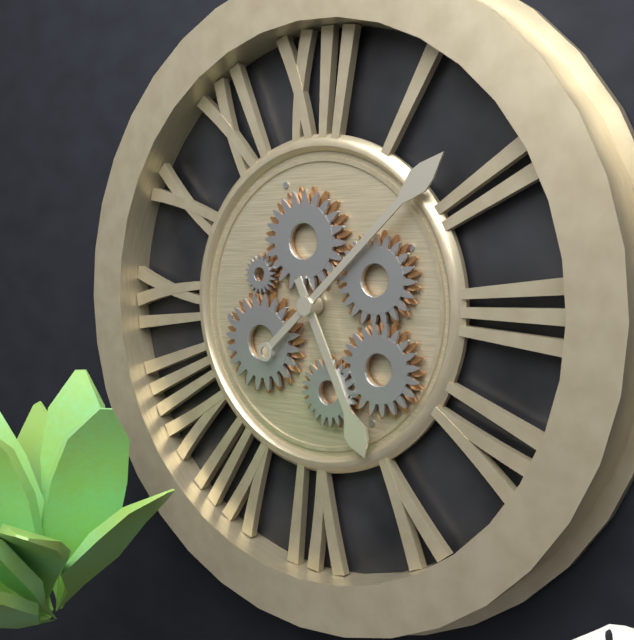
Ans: 5:08
